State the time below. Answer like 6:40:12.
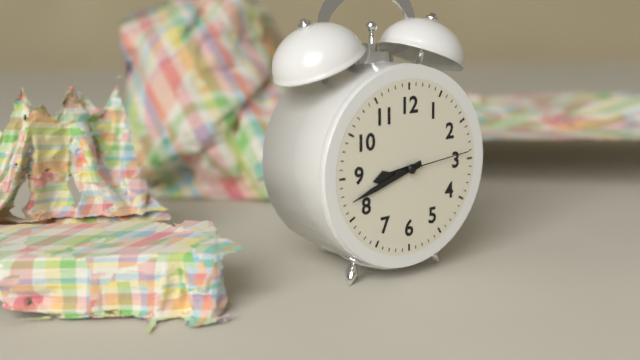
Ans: 8:42:14
